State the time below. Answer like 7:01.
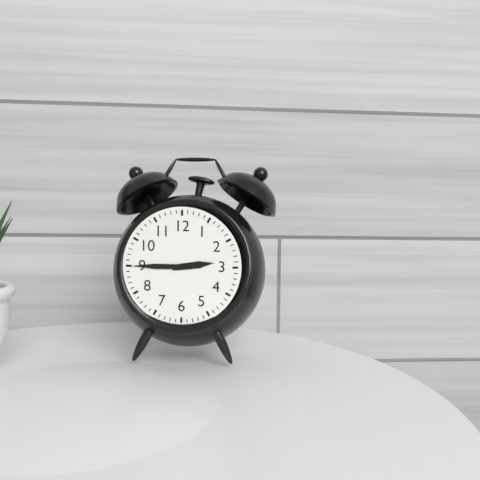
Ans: 2:45
